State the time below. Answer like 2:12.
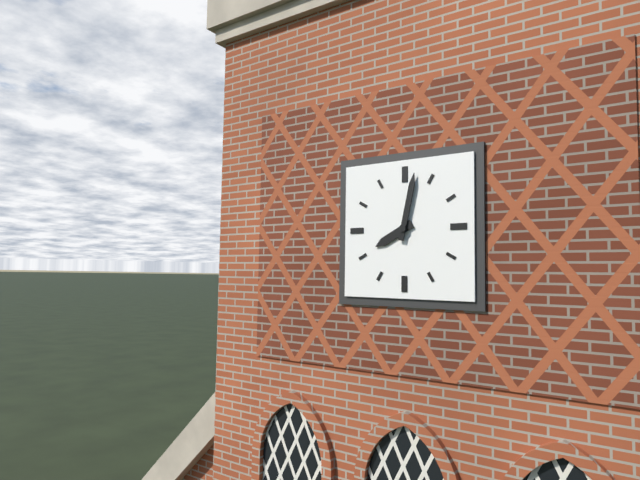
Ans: 8:02
